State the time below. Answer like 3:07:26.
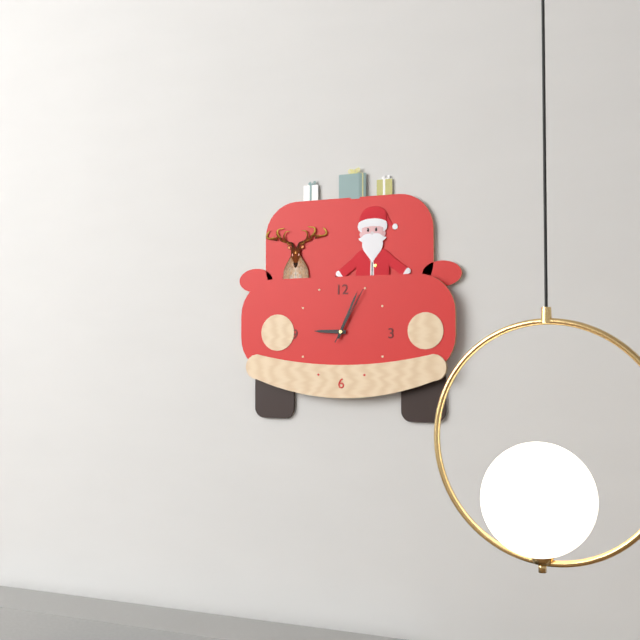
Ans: 9:04:05
